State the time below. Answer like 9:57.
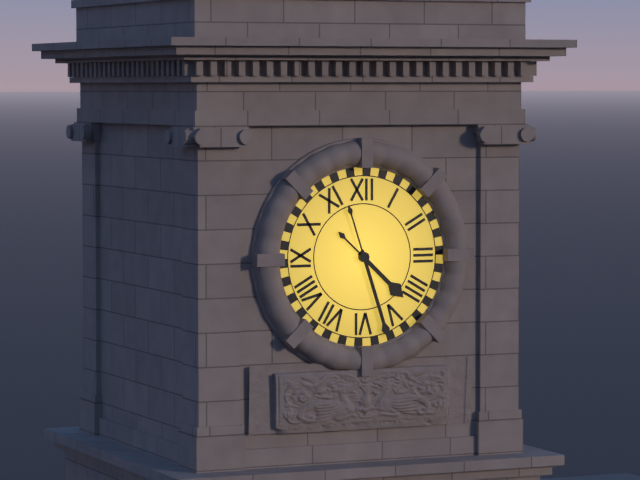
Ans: 4:27
